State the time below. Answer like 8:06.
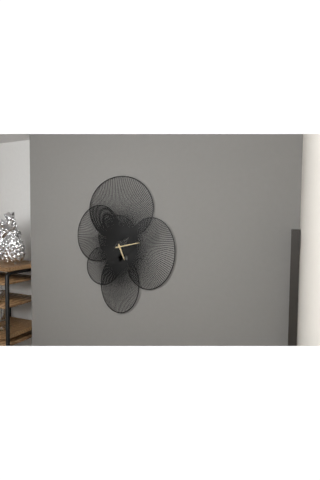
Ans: 5:13
